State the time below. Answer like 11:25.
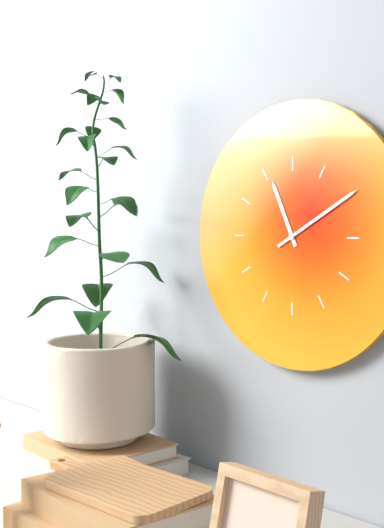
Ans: 11:10
